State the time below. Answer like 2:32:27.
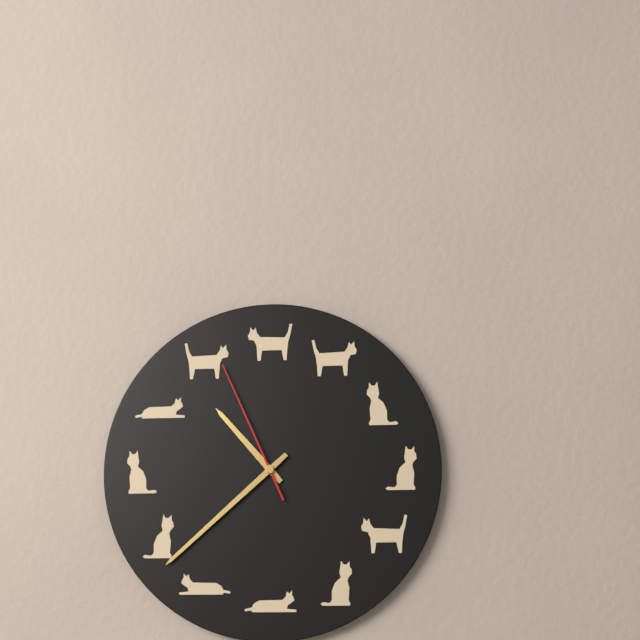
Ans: 10:38:56
